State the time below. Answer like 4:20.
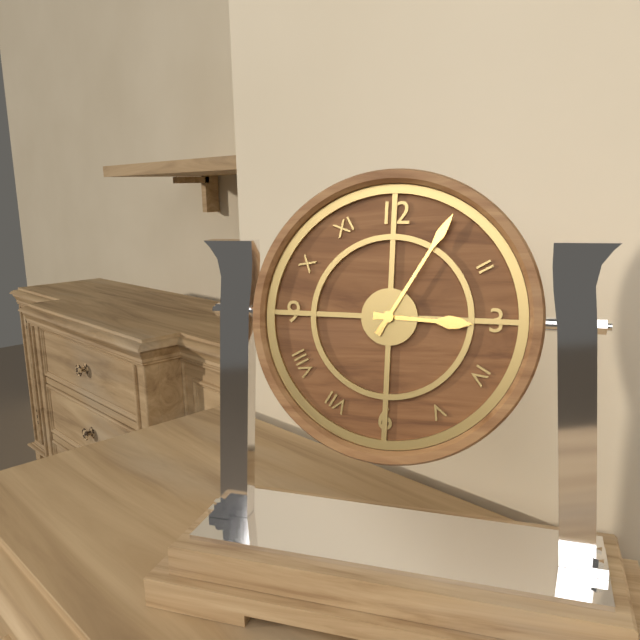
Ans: 3:05
